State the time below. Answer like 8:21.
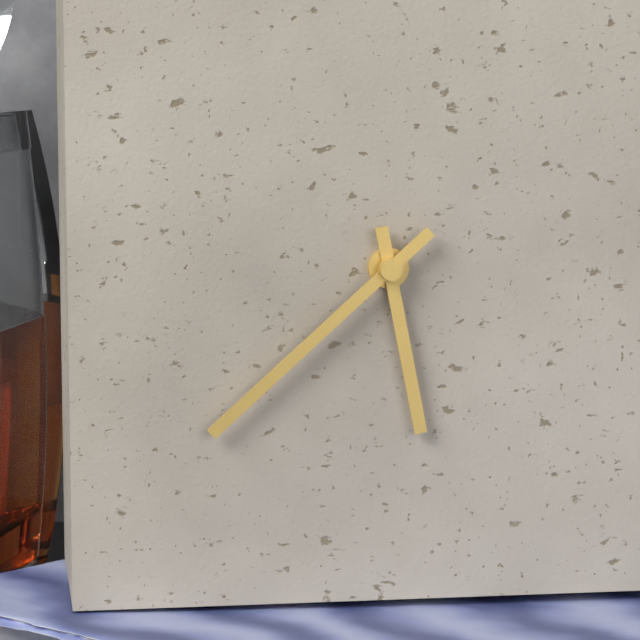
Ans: 5:38
